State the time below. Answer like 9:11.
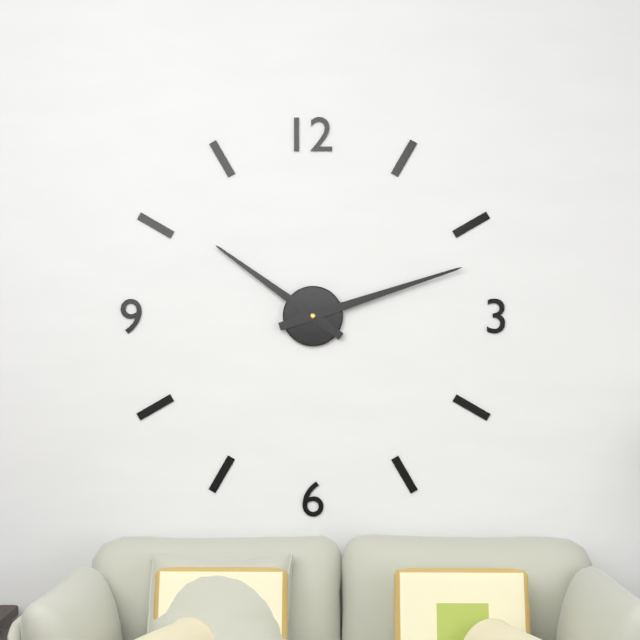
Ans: 10:12
